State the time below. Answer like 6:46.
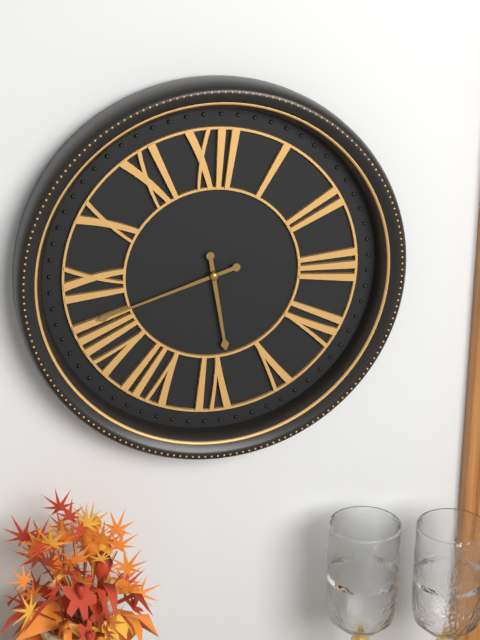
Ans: 5:42
